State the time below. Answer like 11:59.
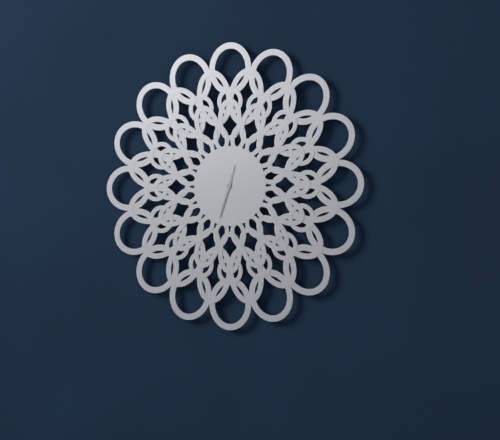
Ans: 12:33
